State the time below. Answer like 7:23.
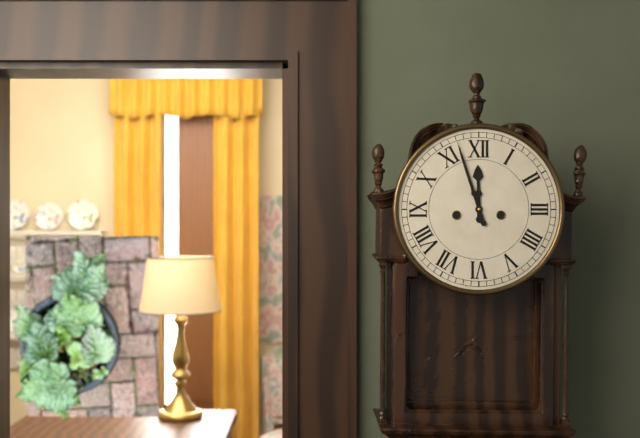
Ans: 11:57
